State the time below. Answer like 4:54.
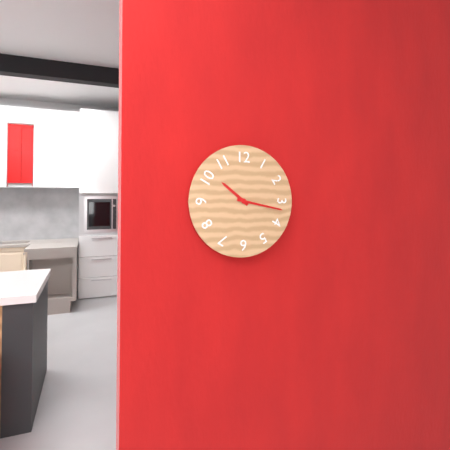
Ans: 10:17
